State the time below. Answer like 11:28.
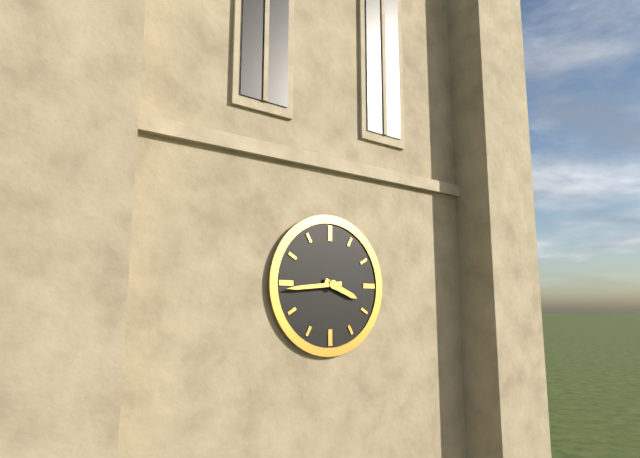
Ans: 3:44
